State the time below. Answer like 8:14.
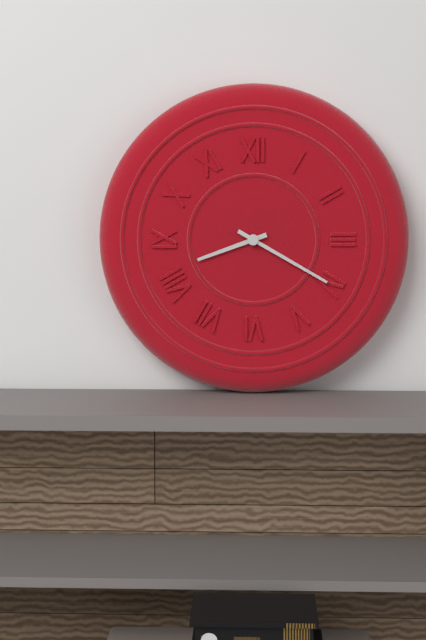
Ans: 8:20
